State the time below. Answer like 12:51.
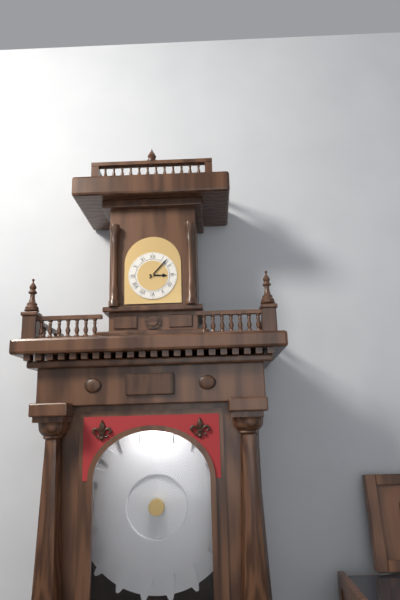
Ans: 3:07
